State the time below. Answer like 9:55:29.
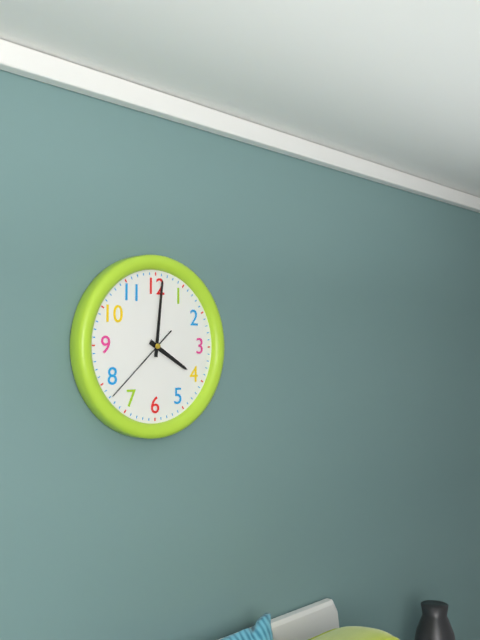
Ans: 4:01:38
